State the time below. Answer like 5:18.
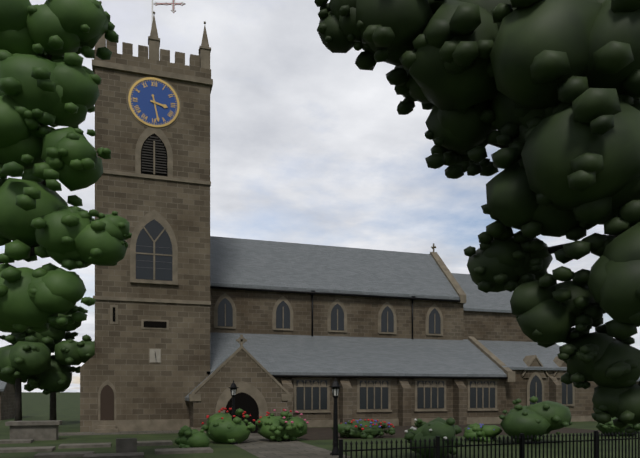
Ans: 3:28
